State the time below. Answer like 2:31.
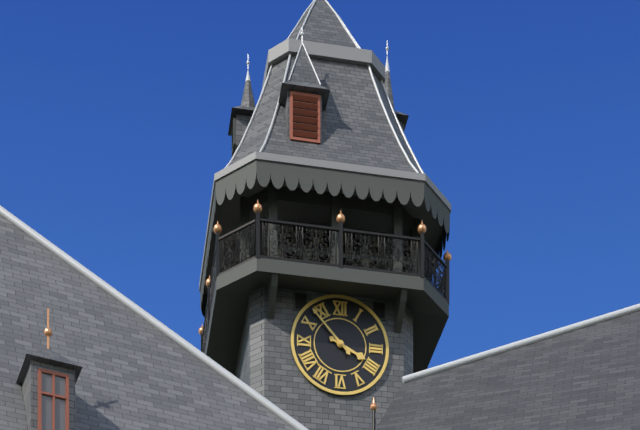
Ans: 3:53
